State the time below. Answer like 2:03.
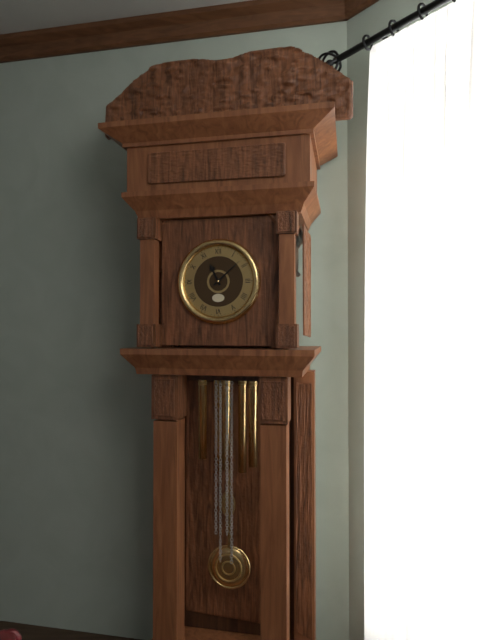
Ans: 11:08
